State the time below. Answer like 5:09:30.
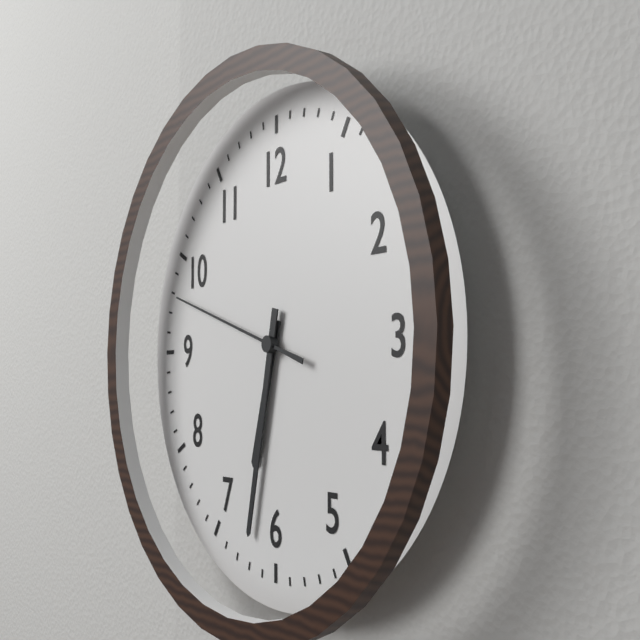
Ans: 6:32:48
